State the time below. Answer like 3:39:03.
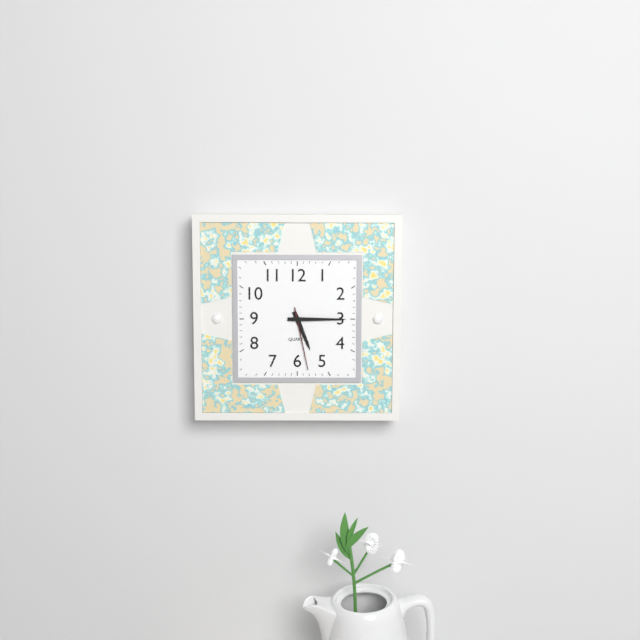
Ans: 5:15:28
